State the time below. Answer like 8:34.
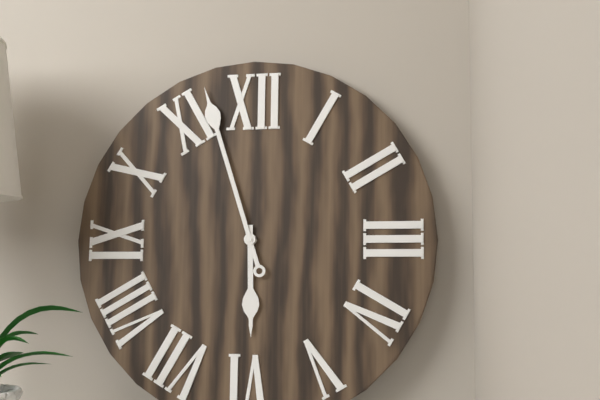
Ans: 5:57
